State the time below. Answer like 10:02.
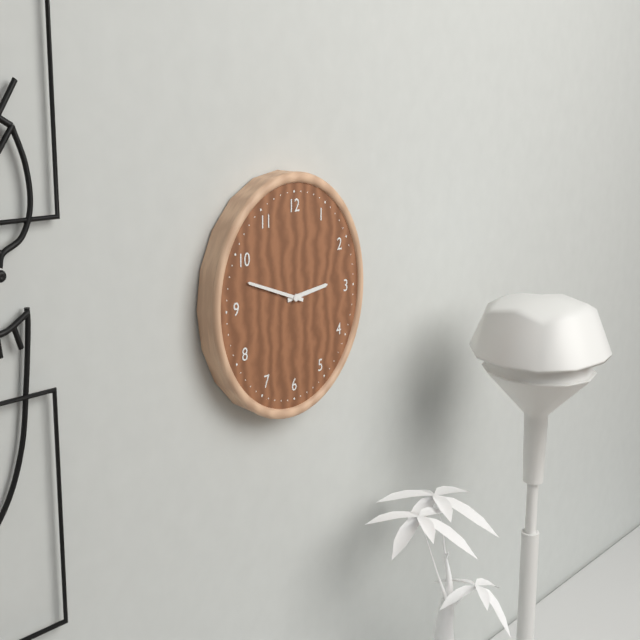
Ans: 2:48
